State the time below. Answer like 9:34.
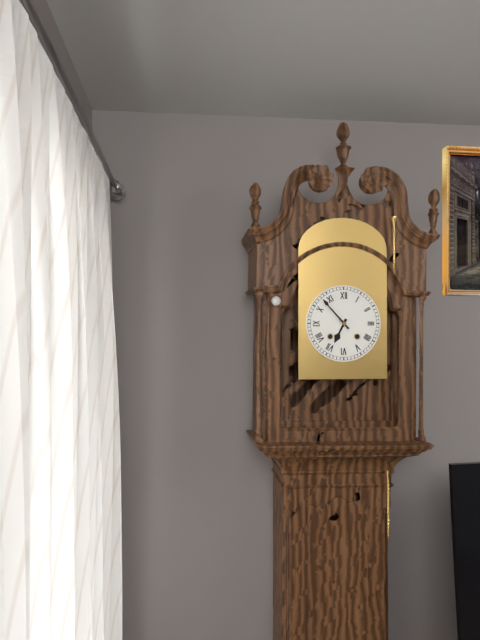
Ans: 6:53
